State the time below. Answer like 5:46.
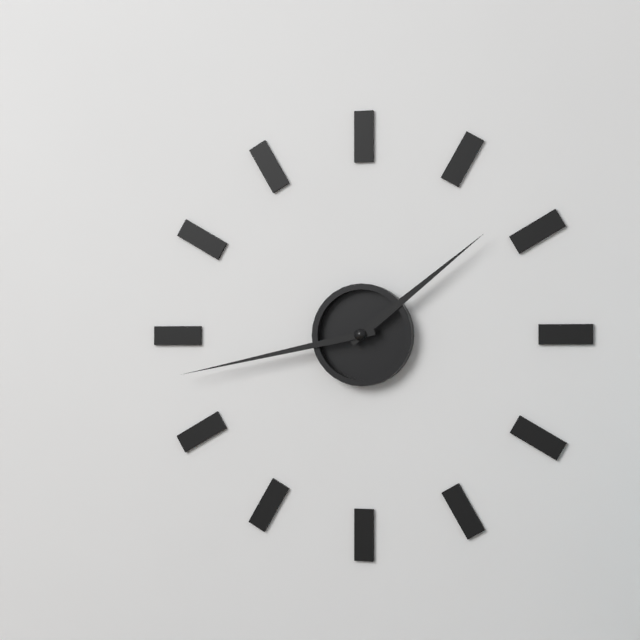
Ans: 1:43
